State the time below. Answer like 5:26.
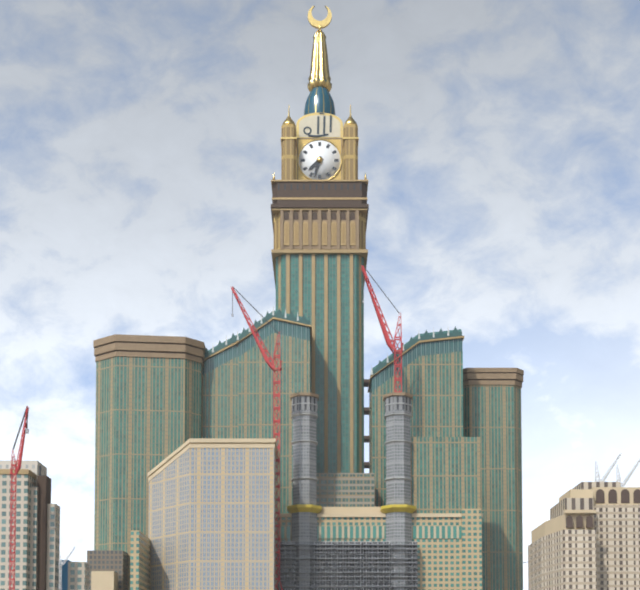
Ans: 7:33
